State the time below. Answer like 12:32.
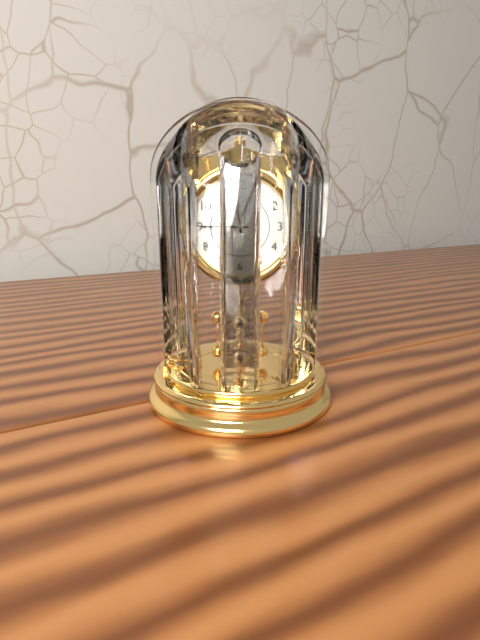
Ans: 11:45
